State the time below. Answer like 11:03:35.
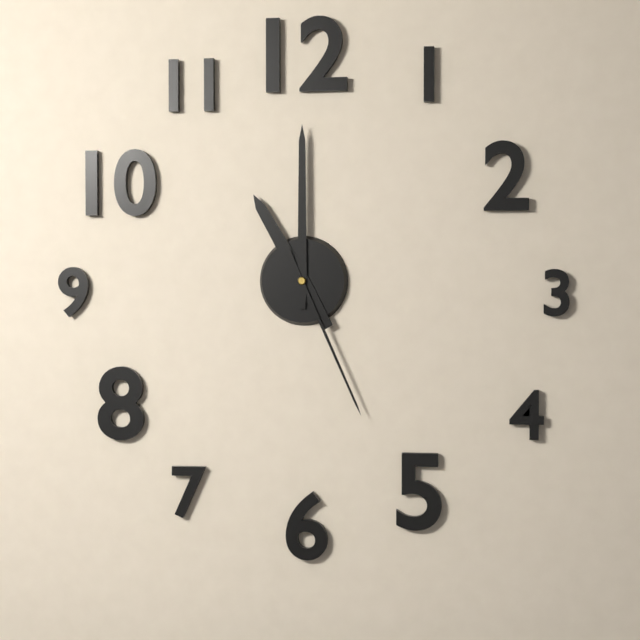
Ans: 11:00:26
